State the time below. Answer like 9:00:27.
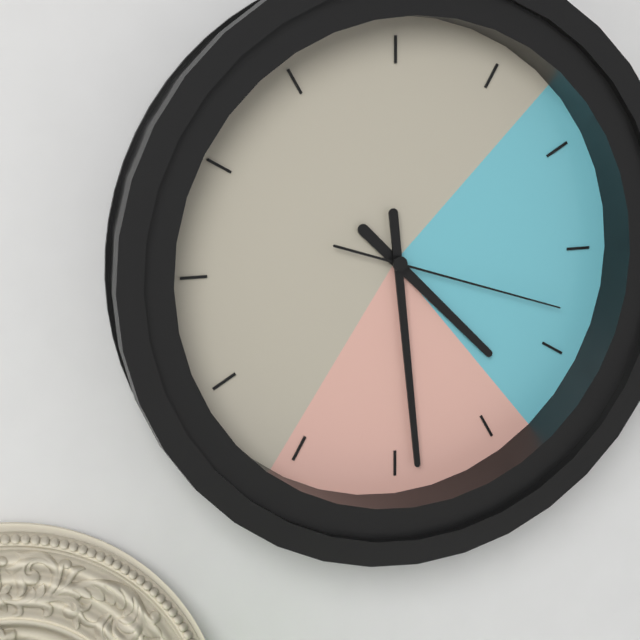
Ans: 4:29:18
